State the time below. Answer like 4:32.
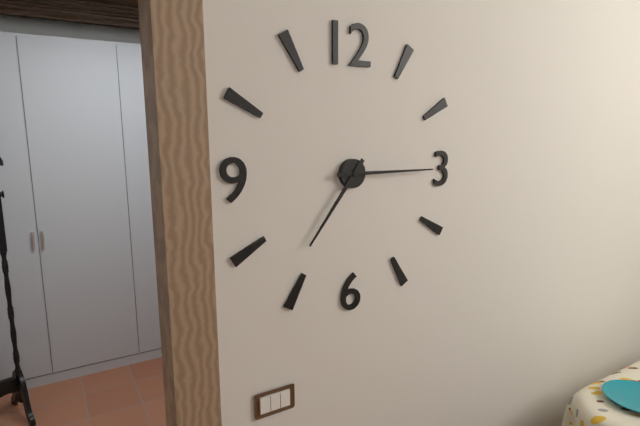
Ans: 7:15
